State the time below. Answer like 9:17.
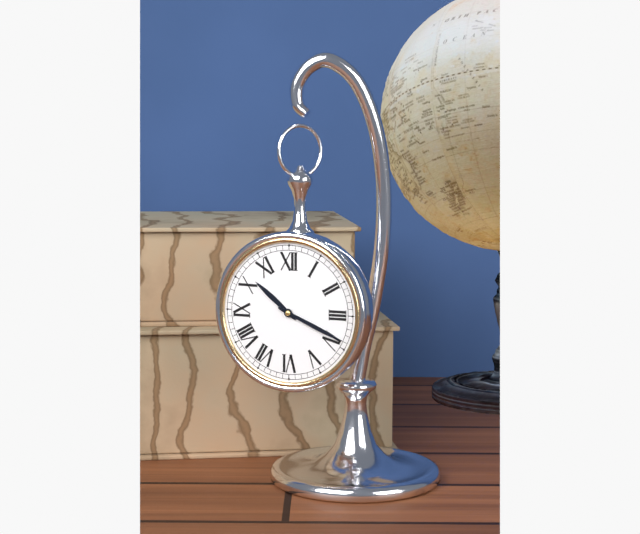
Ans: 10:19
